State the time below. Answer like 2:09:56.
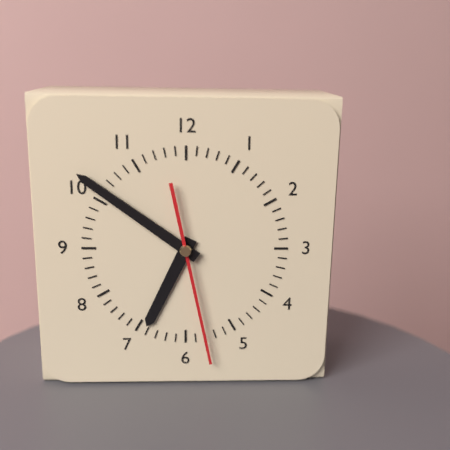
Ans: 6:51:28
